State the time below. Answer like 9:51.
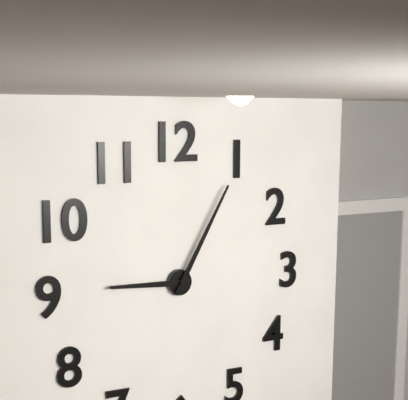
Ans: 9:05
